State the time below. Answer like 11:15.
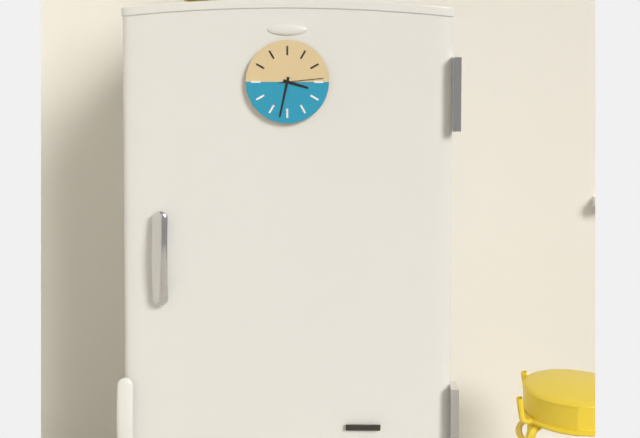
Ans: 3:32
